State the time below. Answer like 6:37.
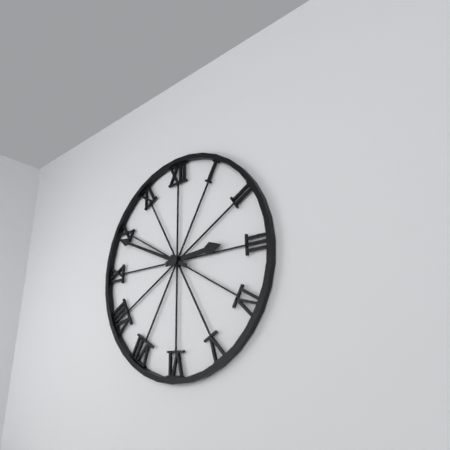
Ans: 2:49
